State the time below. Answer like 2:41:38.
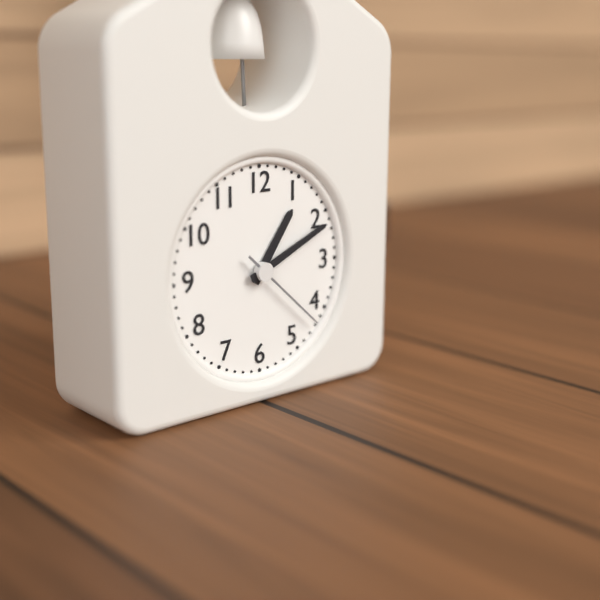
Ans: 1:11:22
